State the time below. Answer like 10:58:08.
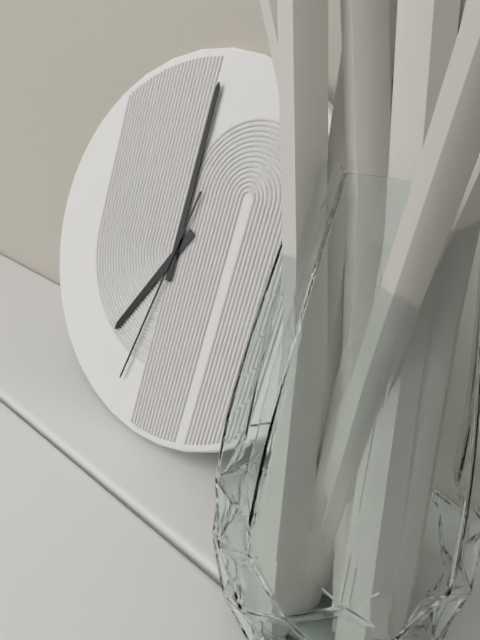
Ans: 7:00:32
